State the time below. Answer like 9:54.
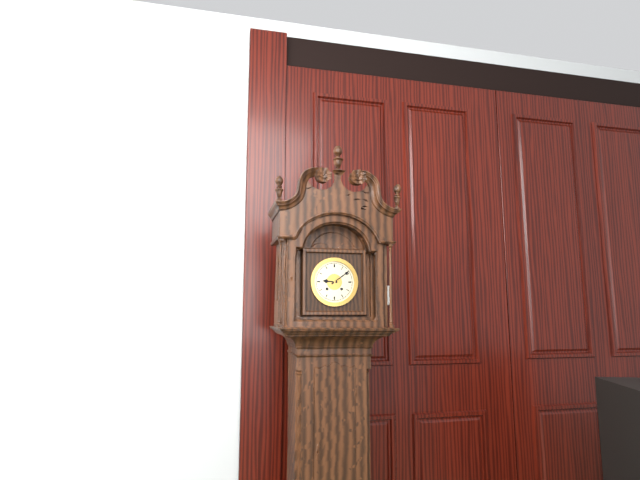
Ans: 9:09
